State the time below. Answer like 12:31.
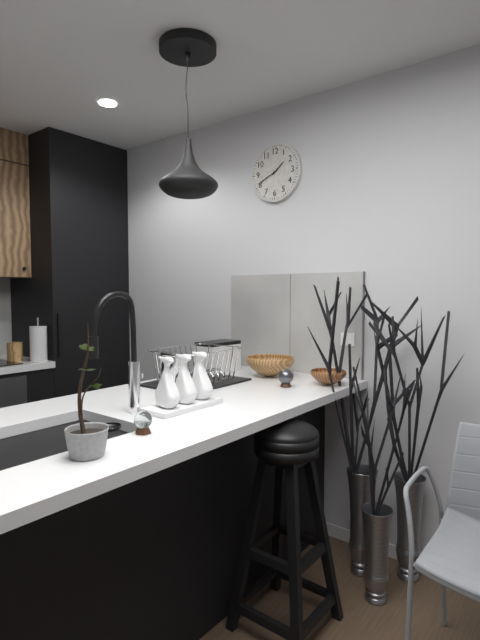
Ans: 1:41
